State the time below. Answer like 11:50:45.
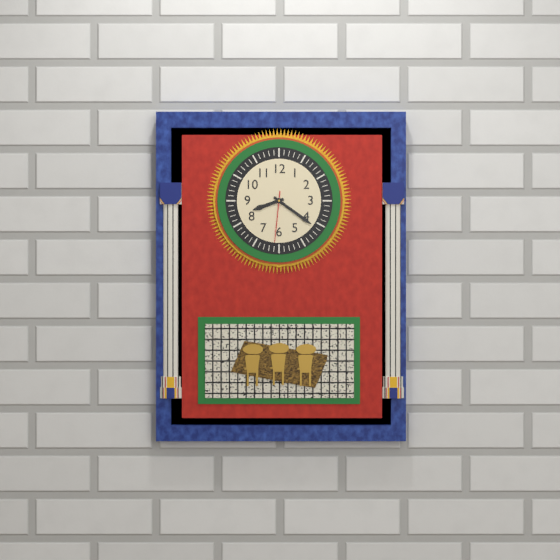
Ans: 8:21:31
